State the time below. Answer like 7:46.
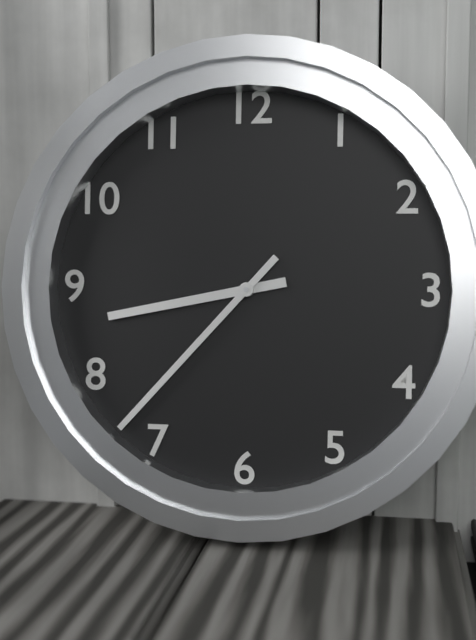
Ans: 8:37
